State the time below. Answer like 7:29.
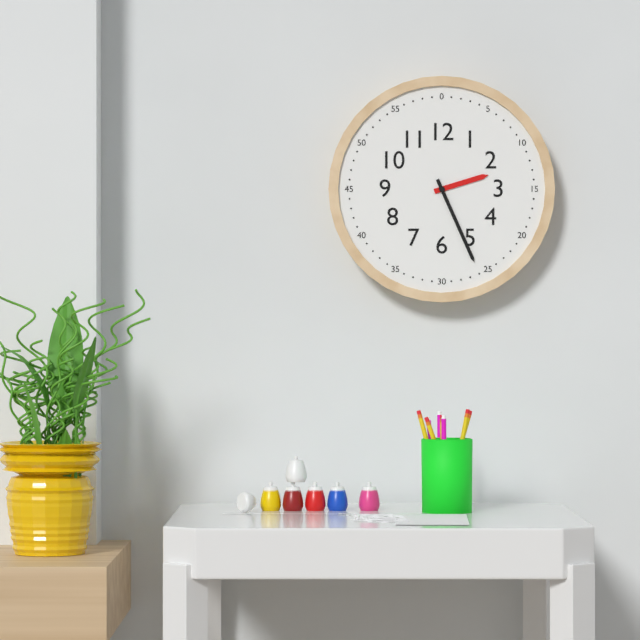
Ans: 2:26
